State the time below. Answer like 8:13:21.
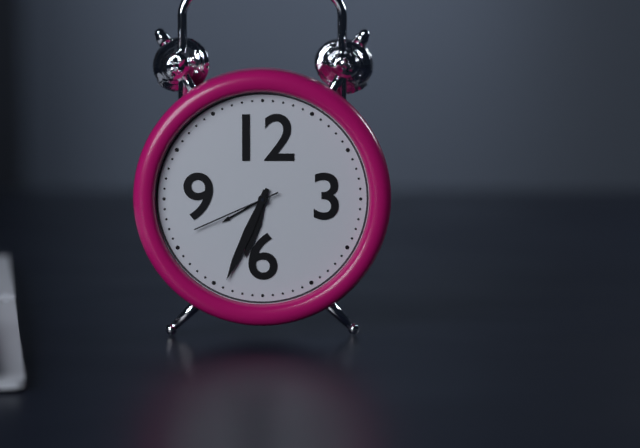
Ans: 6:34:41
